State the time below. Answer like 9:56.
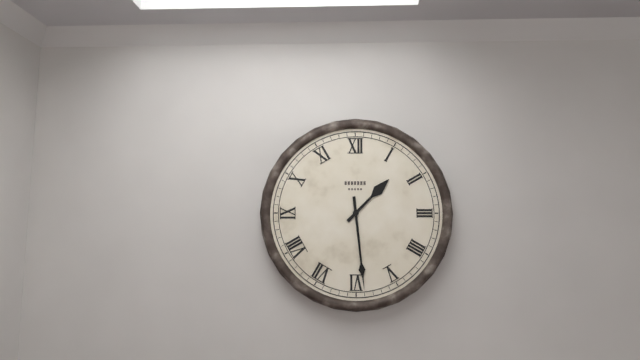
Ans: 1:29
